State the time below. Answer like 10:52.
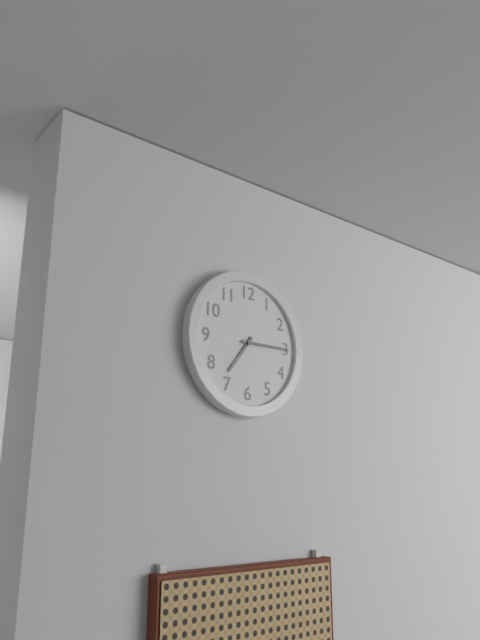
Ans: 7:15
